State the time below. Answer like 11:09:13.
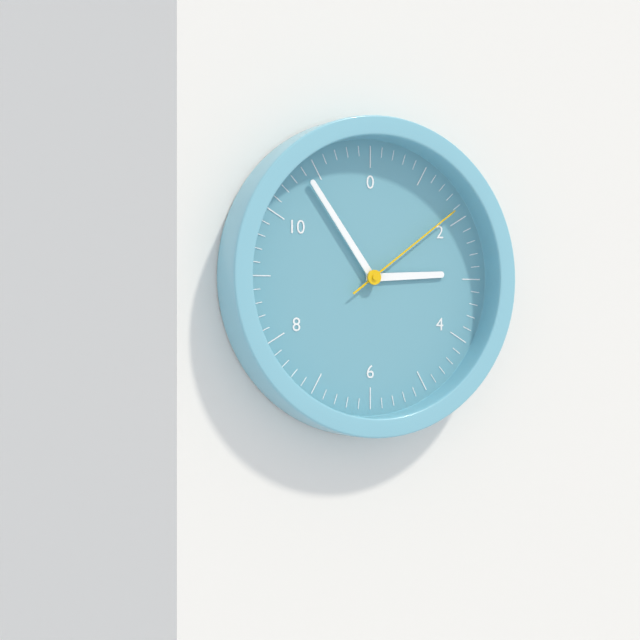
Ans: 2:54:09
